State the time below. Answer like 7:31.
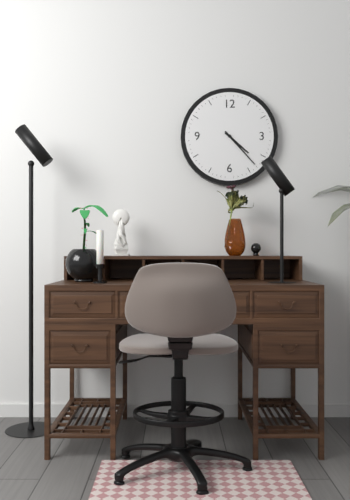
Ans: 4:23
